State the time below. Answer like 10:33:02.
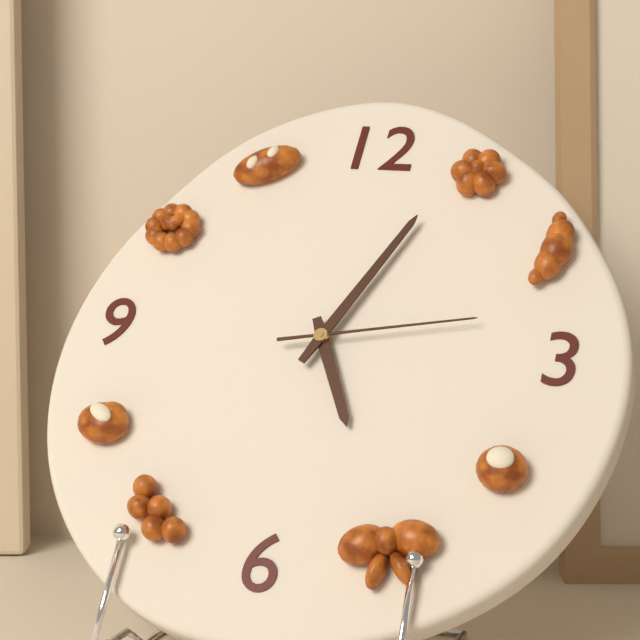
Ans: 5:04:13
